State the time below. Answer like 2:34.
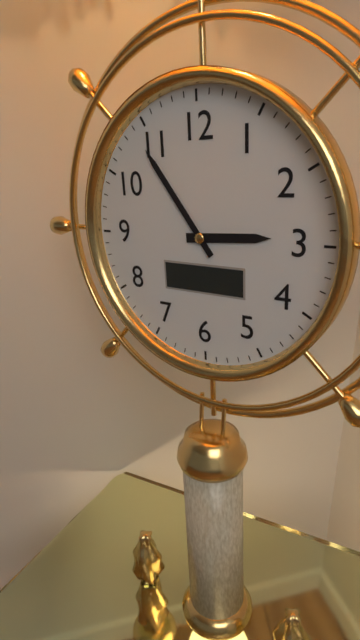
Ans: 2:54
